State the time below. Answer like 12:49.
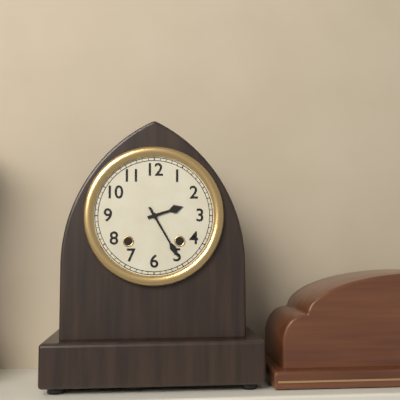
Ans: 2:25
